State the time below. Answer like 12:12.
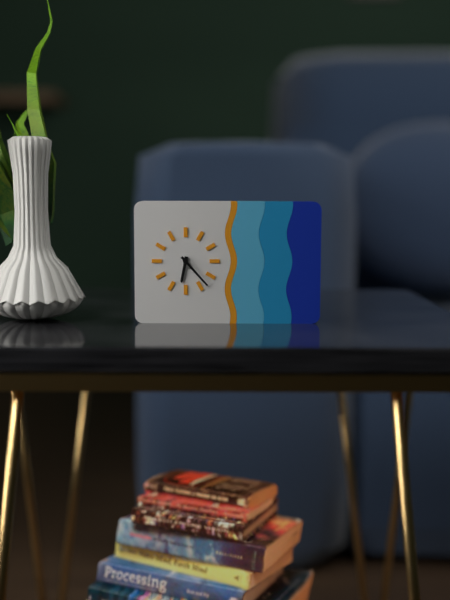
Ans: 6:23
